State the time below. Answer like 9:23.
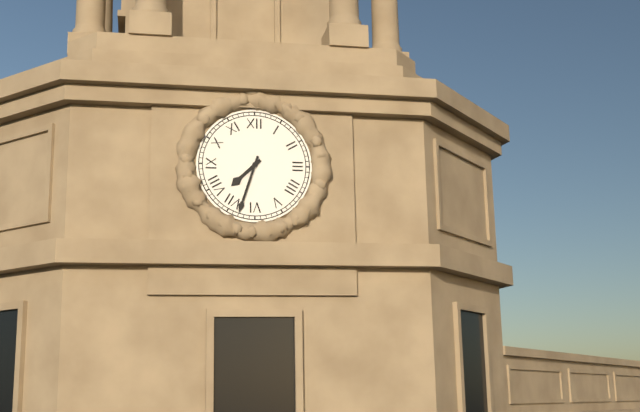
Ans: 7:33
